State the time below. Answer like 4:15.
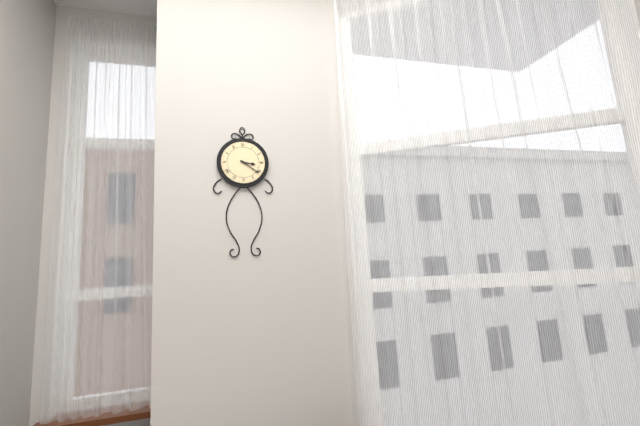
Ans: 3:21
